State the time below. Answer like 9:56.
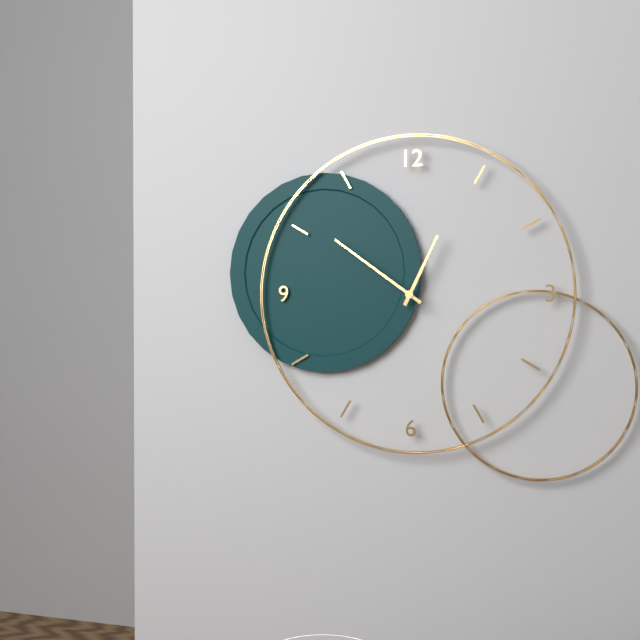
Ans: 12:51
